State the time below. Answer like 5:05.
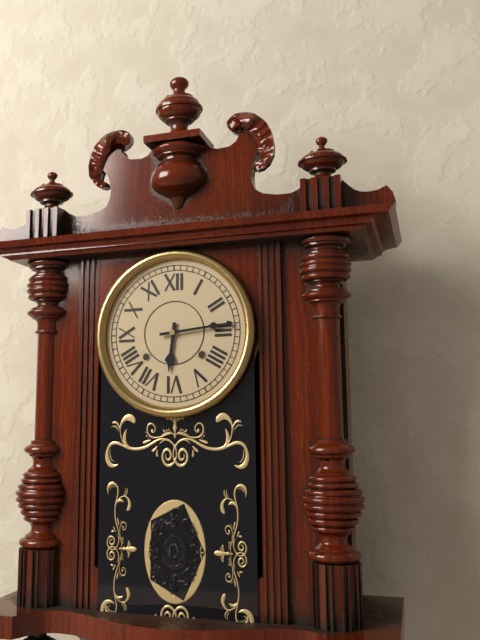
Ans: 6:14
